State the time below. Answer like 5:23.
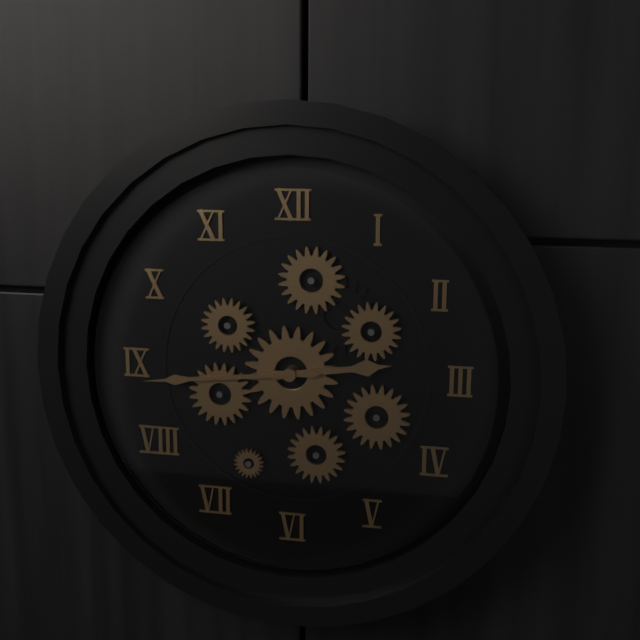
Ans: 2:44
